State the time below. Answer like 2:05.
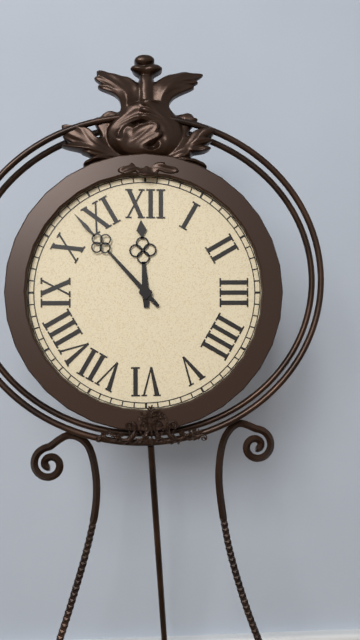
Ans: 11:53
